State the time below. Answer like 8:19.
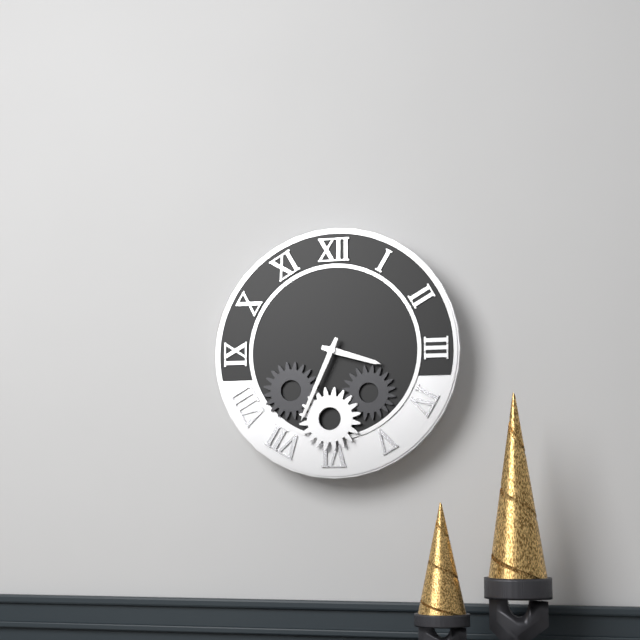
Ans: 3:34
